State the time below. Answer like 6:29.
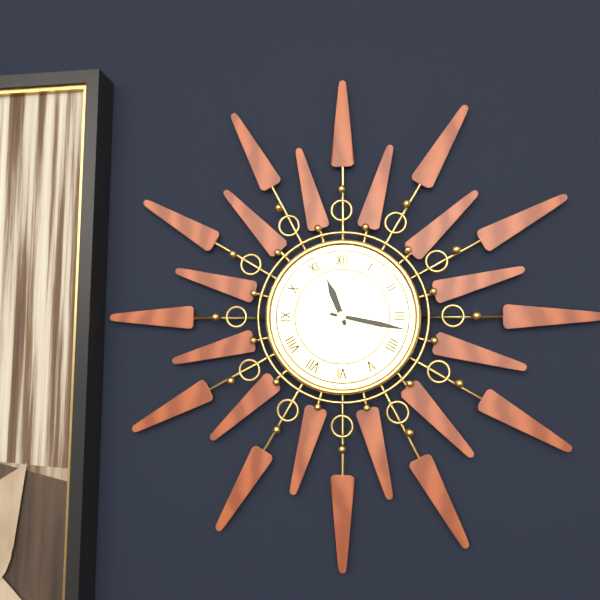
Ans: 11:17
